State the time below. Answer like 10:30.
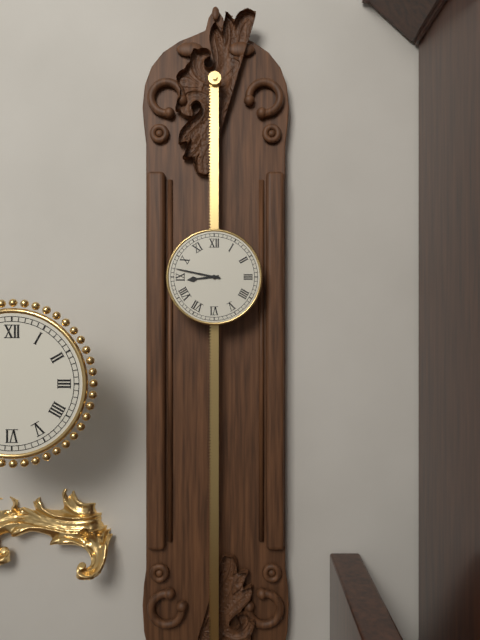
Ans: 8:47
